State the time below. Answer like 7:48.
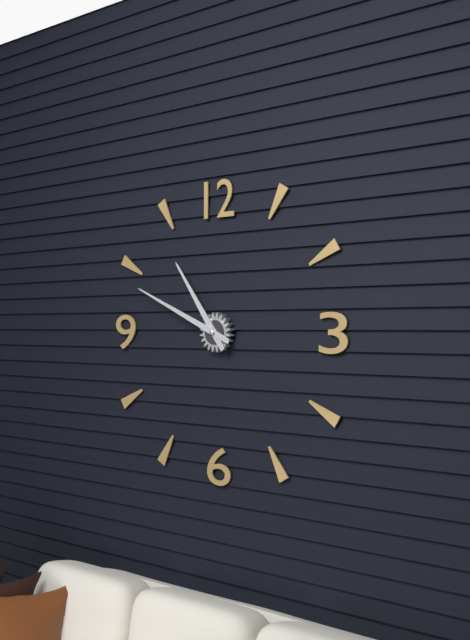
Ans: 10:49
